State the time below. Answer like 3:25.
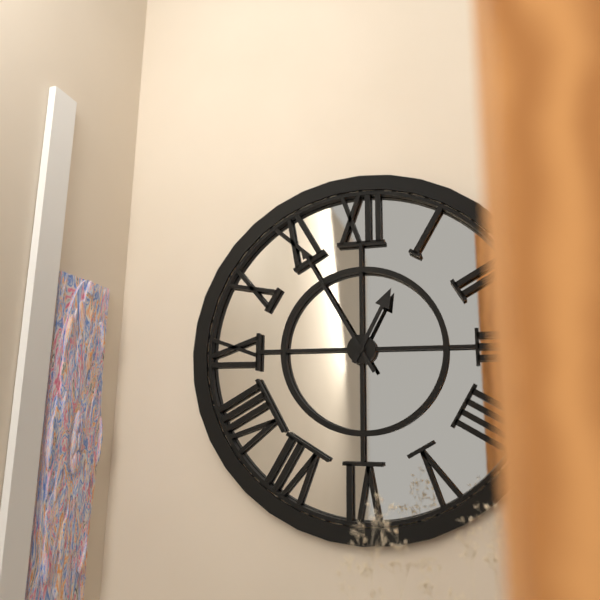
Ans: 12:55
